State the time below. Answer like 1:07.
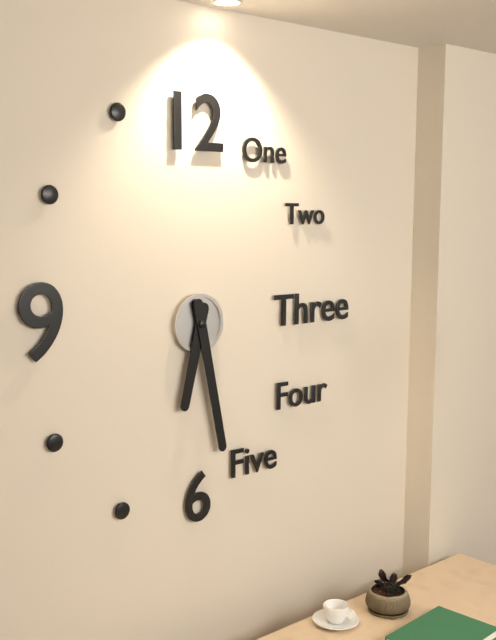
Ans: 6:28
